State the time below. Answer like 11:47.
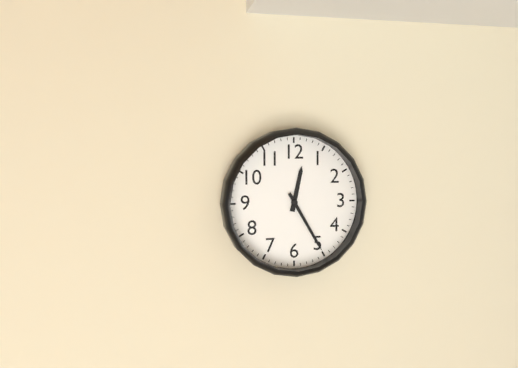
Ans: 12:25
